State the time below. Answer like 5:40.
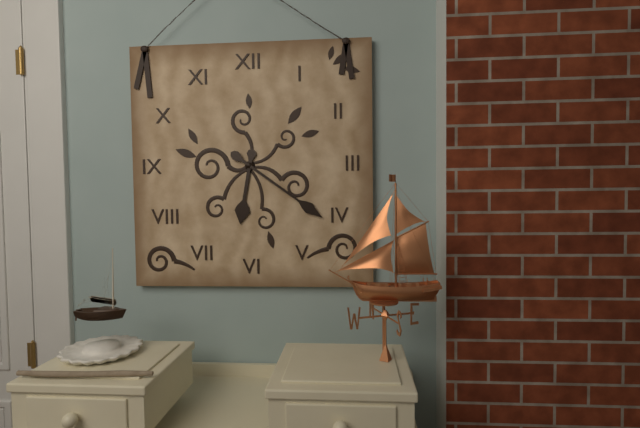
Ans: 6:21
